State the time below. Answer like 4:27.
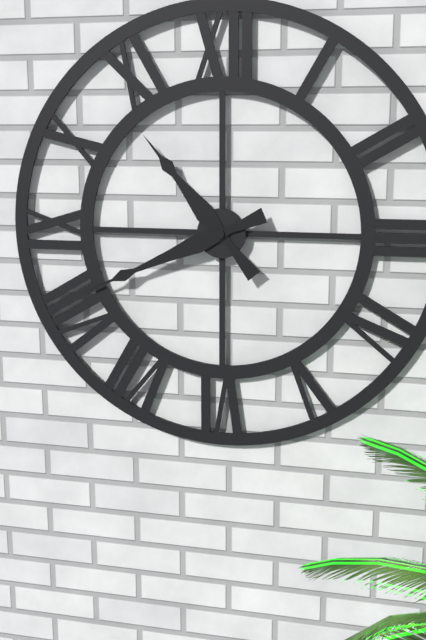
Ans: 10:41
